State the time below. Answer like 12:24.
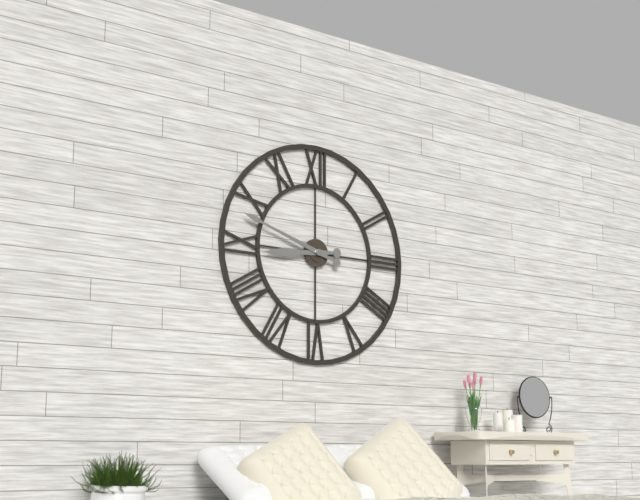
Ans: 8:48
